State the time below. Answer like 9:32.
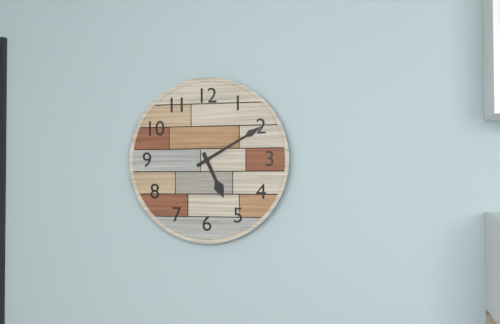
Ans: 5:10
